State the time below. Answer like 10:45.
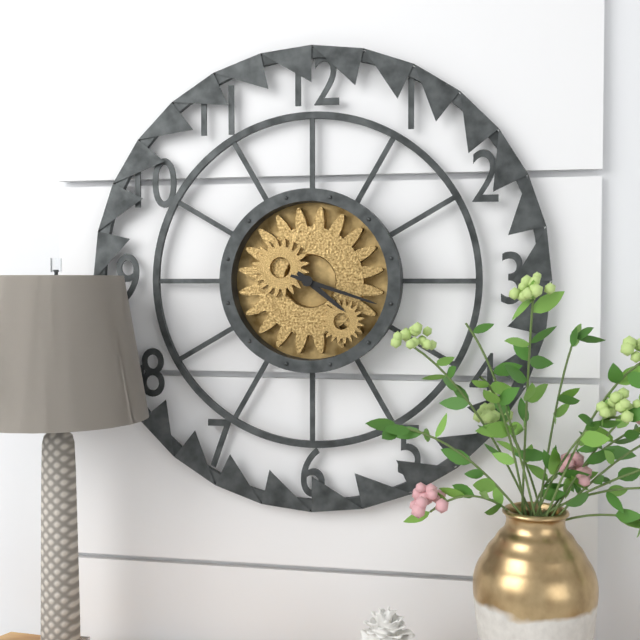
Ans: 4:18
